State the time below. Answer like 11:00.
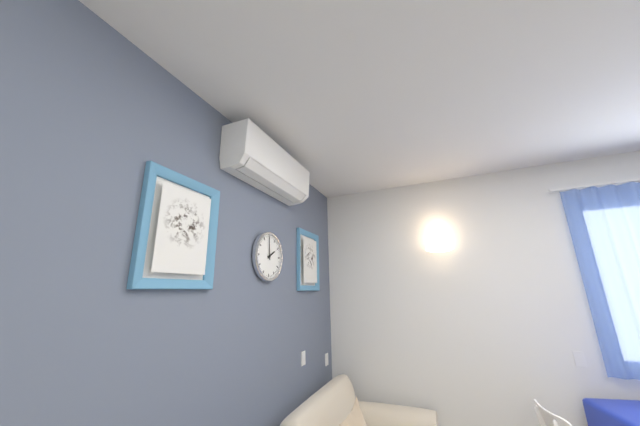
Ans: 1:59
